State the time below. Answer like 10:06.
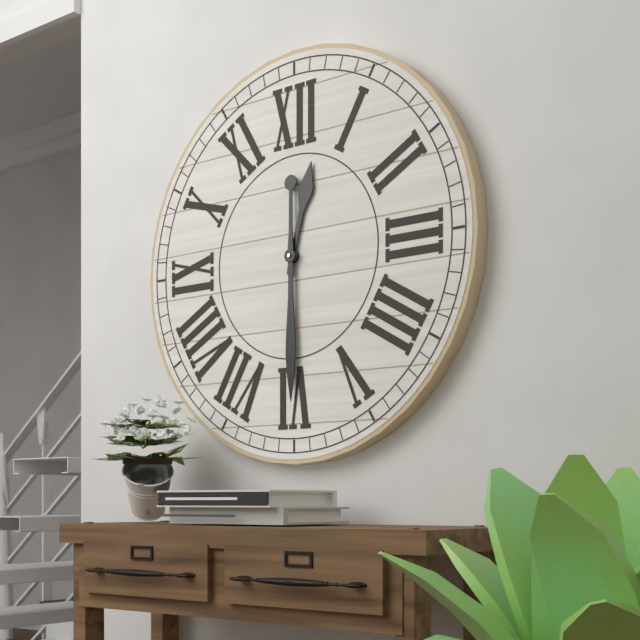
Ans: 12:30
